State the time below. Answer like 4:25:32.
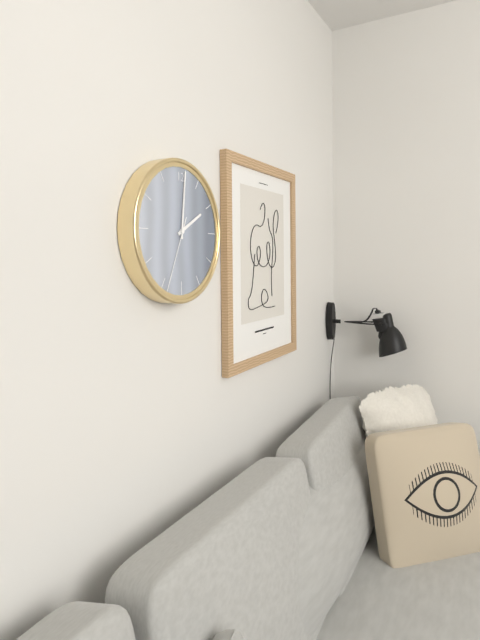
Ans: 2:01:34
